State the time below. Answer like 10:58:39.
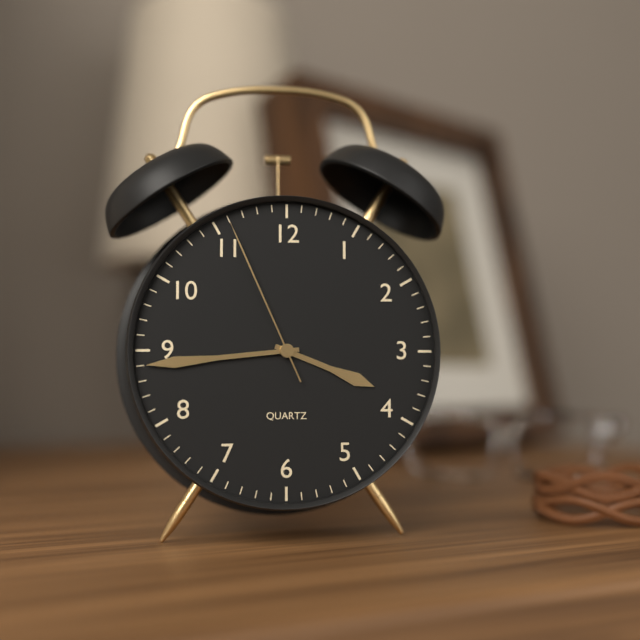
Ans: 3:44:56
